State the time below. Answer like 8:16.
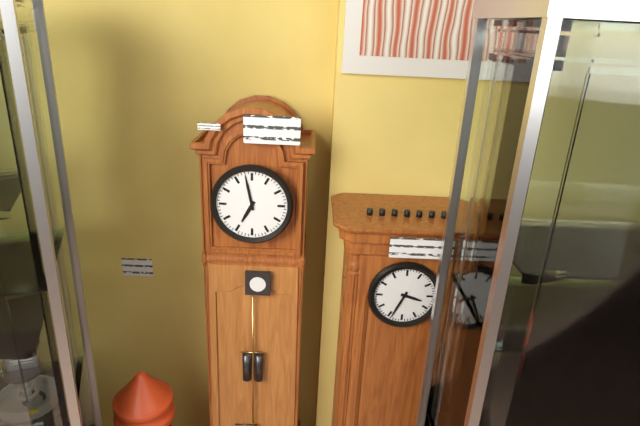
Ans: 6:58
